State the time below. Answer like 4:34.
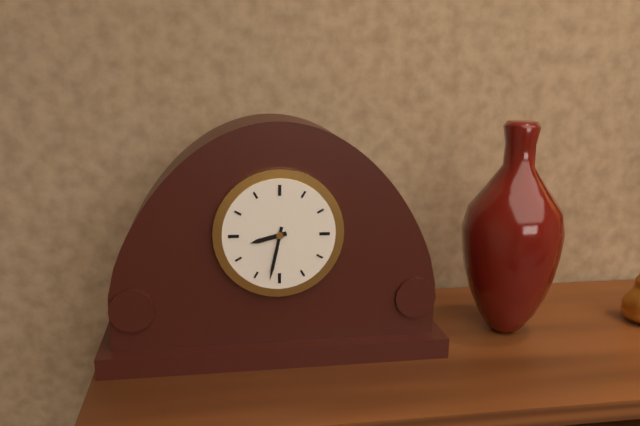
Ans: 8:32
